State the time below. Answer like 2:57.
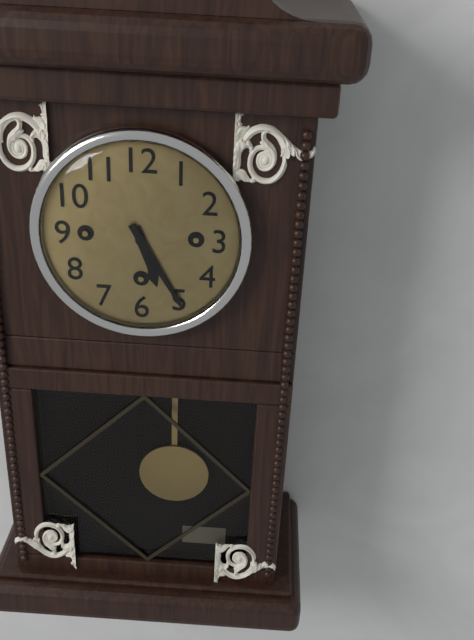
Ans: 5:25
